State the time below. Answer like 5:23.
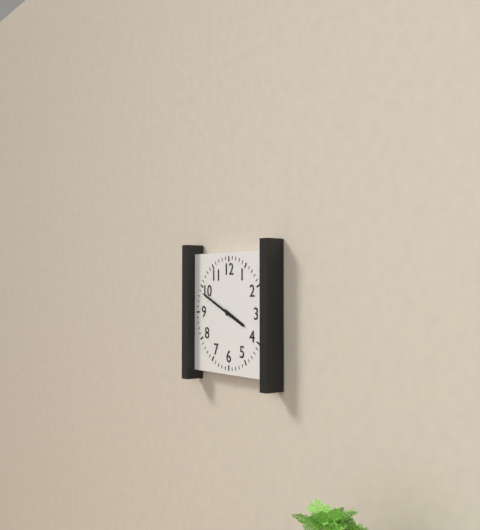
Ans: 3:49
